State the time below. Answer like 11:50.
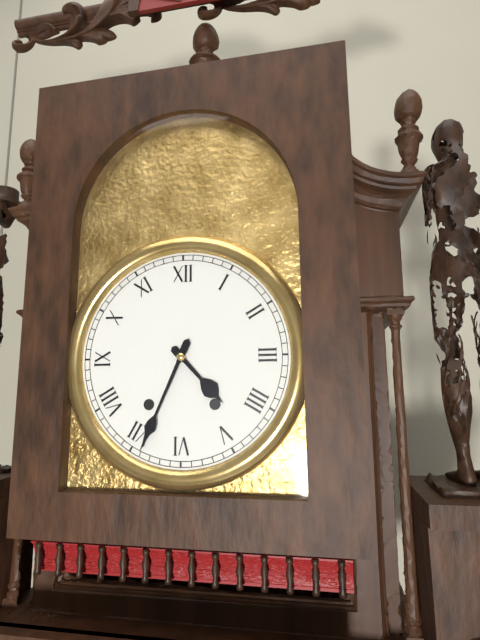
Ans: 4:34
